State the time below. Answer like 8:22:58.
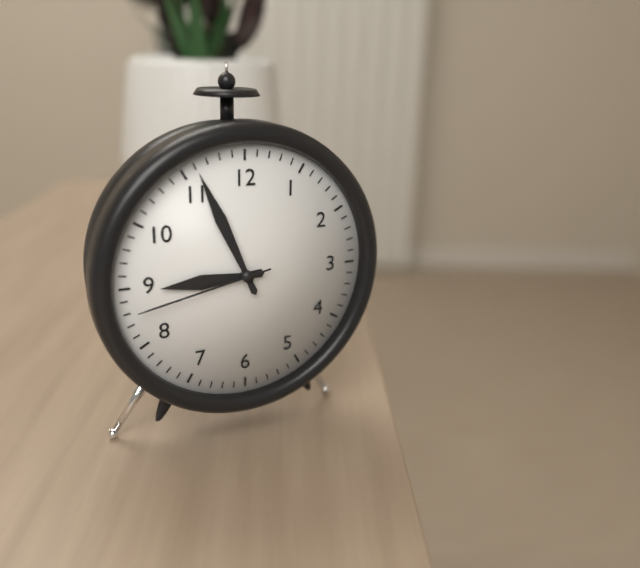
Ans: 8:56:43
